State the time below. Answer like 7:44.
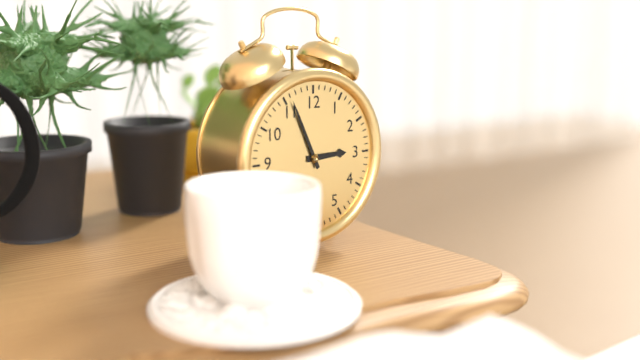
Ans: 2:56
